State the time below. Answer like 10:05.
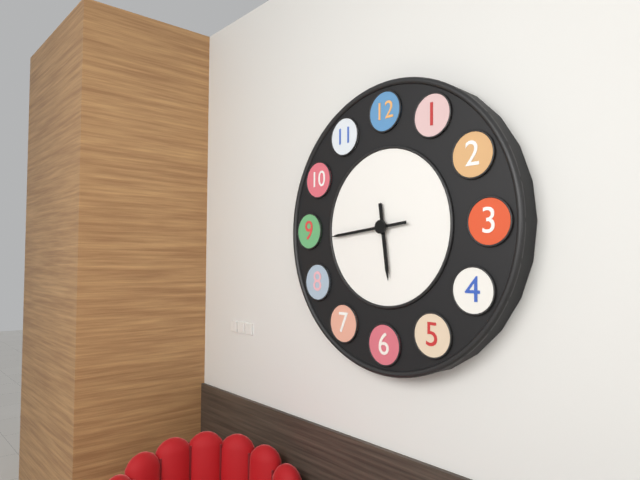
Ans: 5:44
